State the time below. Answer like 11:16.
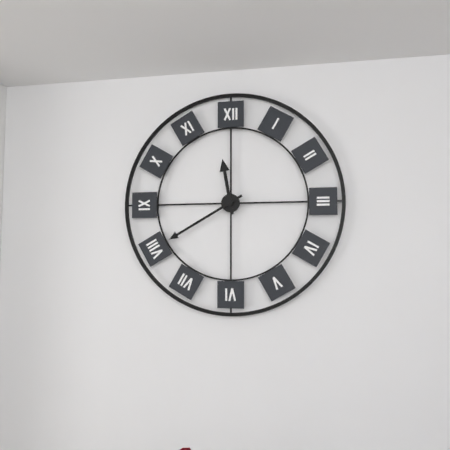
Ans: 11:40
